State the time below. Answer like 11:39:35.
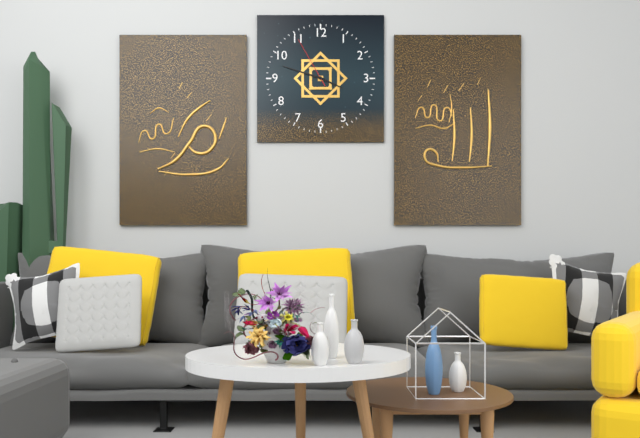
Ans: 3:48:55
